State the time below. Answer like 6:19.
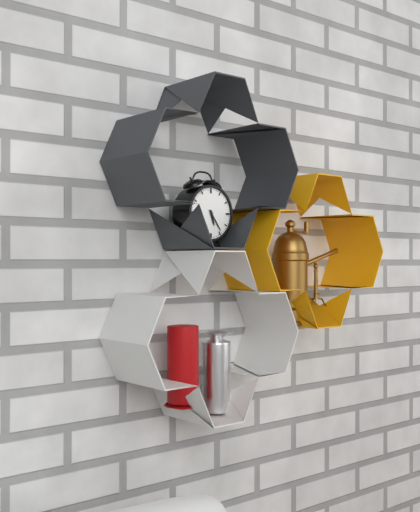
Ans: 5:24
